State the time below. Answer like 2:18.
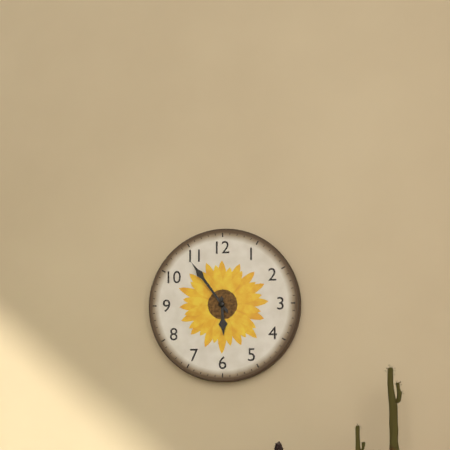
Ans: 5:54
